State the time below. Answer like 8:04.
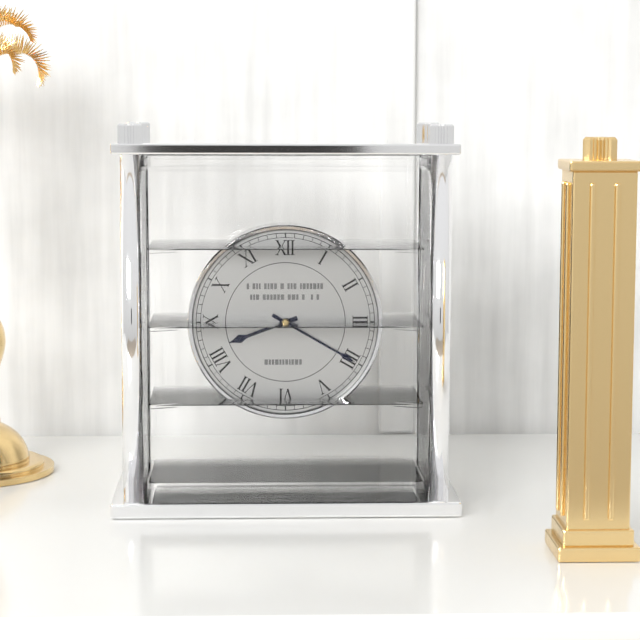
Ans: 8:20
